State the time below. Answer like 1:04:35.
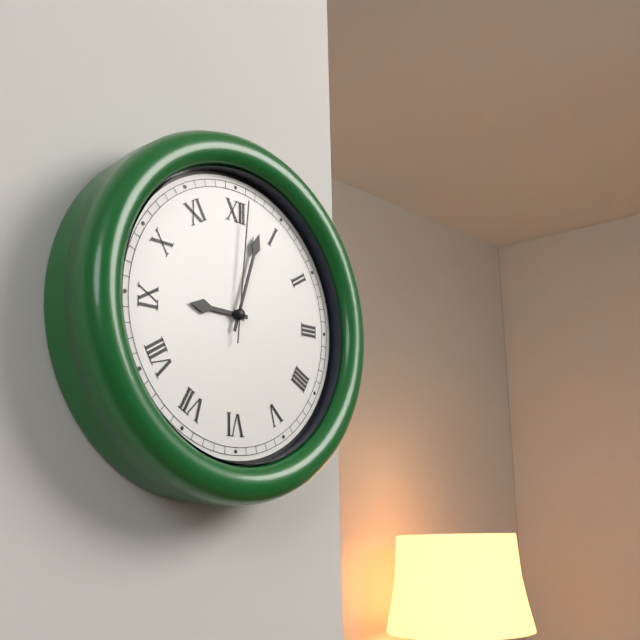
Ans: 9:03:01
